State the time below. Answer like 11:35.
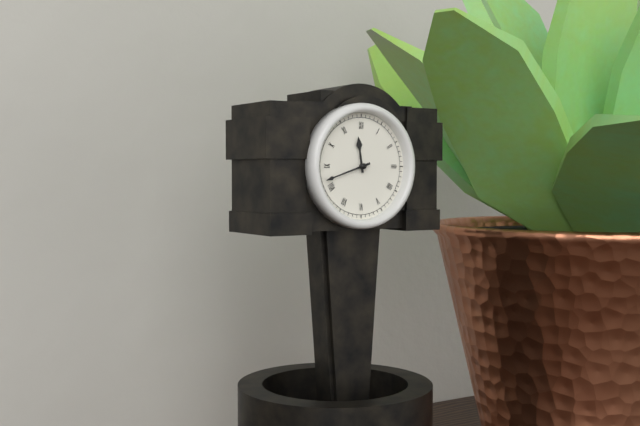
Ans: 11:42
